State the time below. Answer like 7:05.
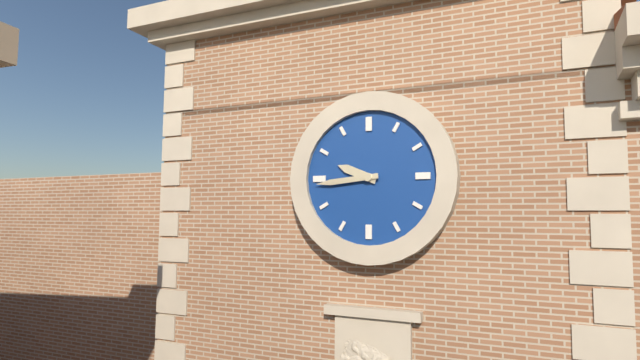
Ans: 9:44
